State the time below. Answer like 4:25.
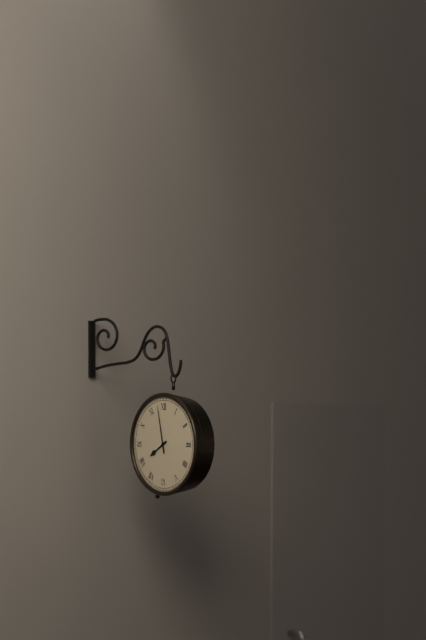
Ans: 7:58
